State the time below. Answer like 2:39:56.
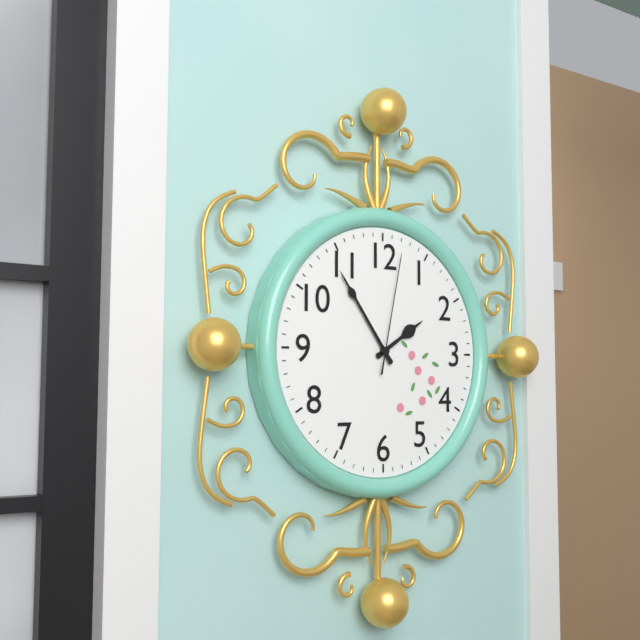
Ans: 1:54:02
